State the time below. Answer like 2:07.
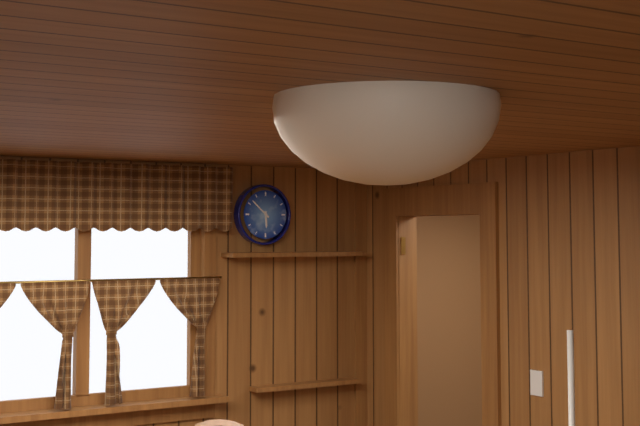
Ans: 5:52
